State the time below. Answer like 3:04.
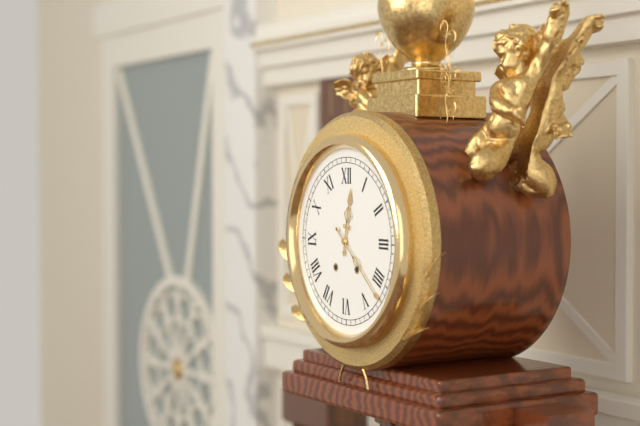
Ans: 12:22
